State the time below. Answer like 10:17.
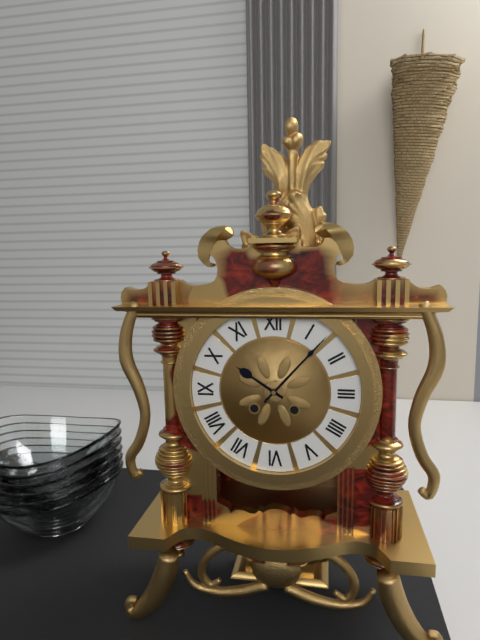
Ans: 10:07
